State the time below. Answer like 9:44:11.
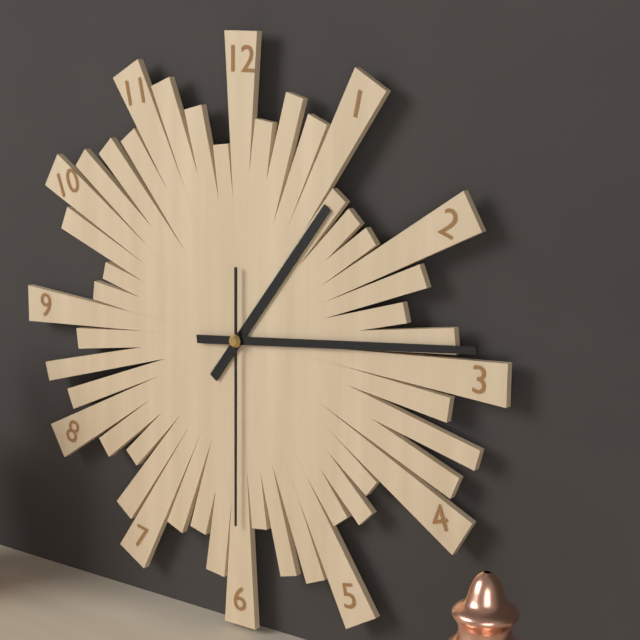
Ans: 1:14:30
